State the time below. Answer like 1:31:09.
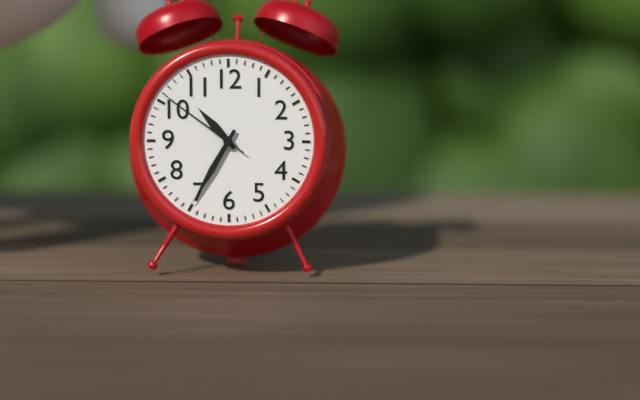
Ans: 10:35:51
